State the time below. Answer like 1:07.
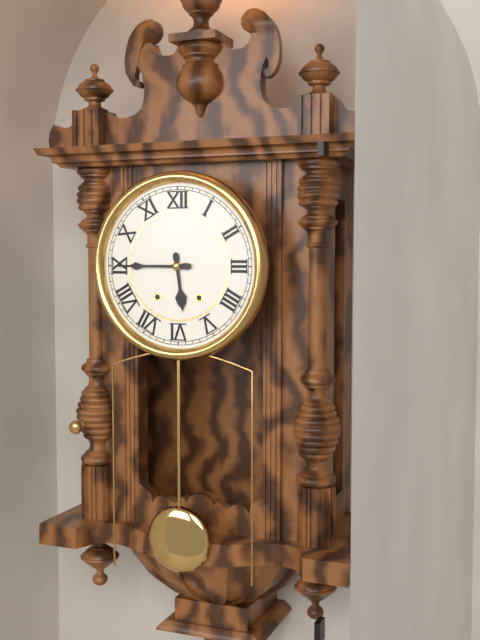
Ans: 5:45
